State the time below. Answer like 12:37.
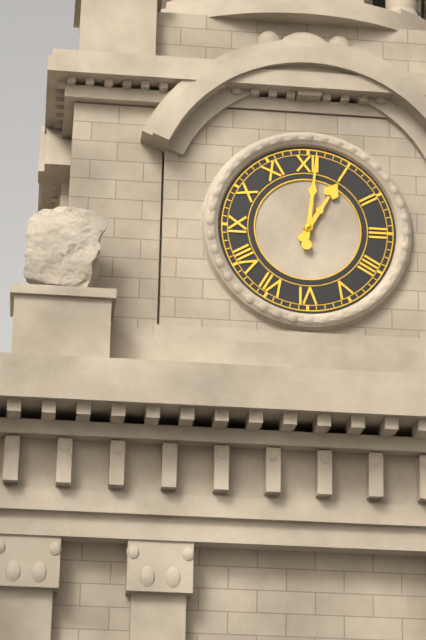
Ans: 1:01
